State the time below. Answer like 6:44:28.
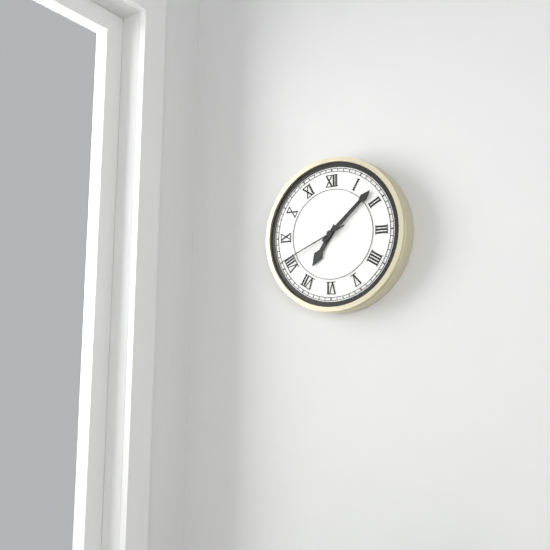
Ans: 7:08:41
